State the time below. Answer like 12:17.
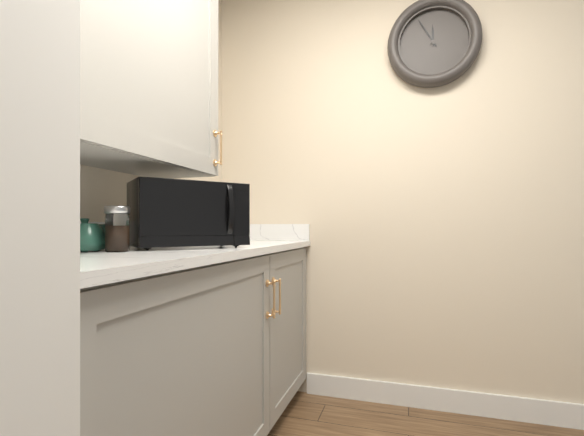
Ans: 11:55
